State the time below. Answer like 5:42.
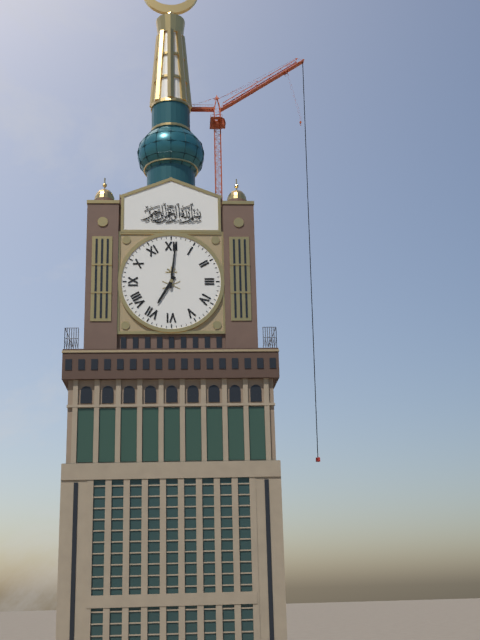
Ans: 7:01
